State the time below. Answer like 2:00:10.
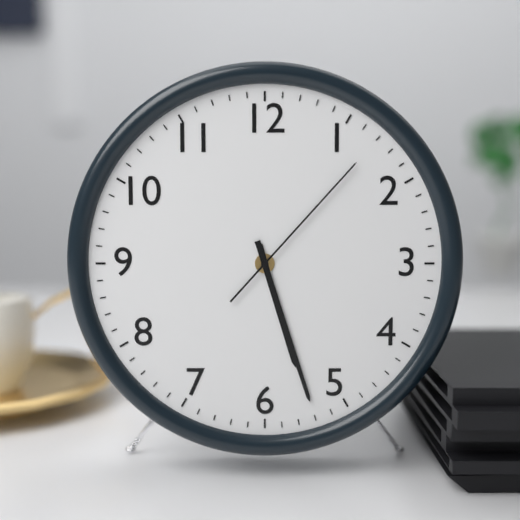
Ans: 5:27:07
